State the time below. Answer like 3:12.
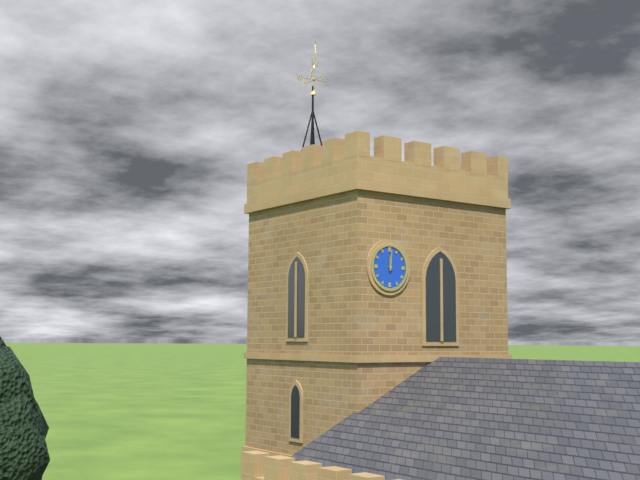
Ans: 12:01
